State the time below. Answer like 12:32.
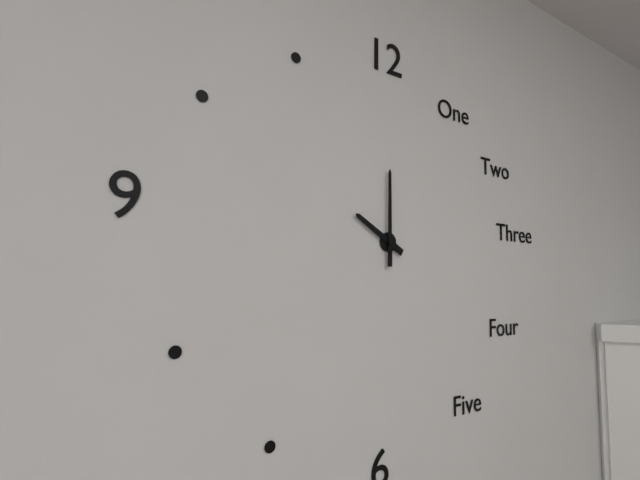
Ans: 10:00
